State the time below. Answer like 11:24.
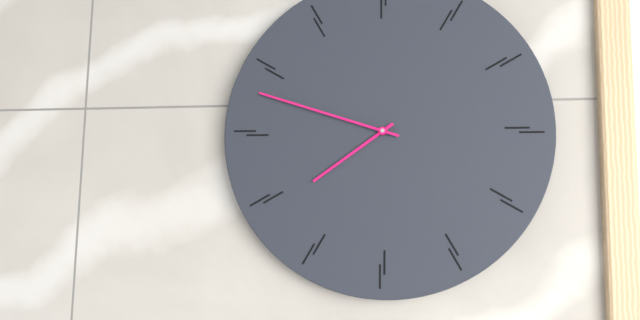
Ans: 7:48
